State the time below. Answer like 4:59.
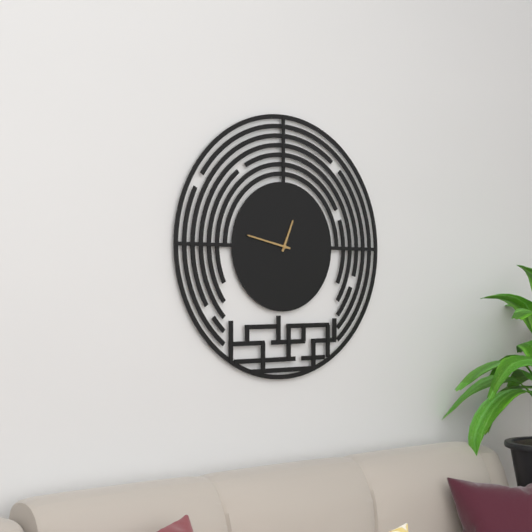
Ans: 12:47
